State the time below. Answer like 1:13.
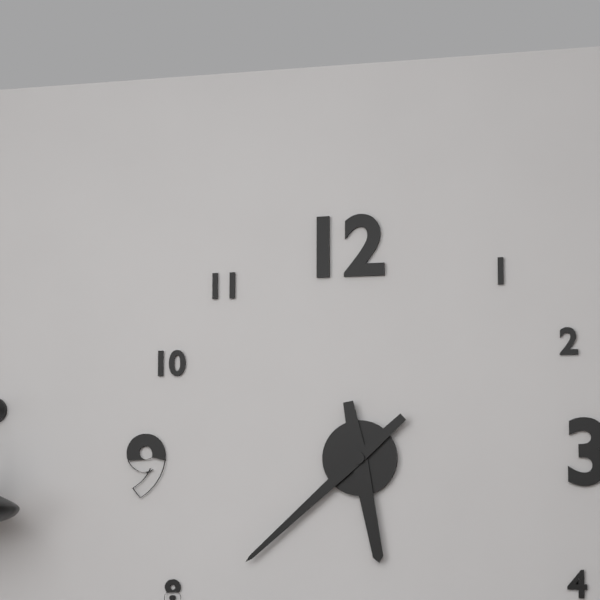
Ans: 5:38
